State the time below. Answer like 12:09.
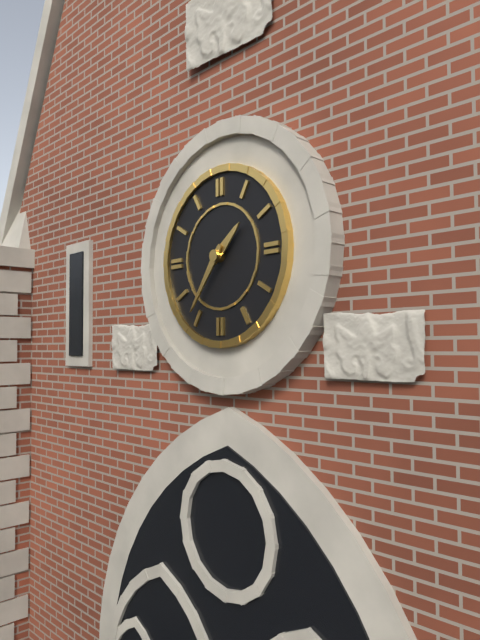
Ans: 1:36
